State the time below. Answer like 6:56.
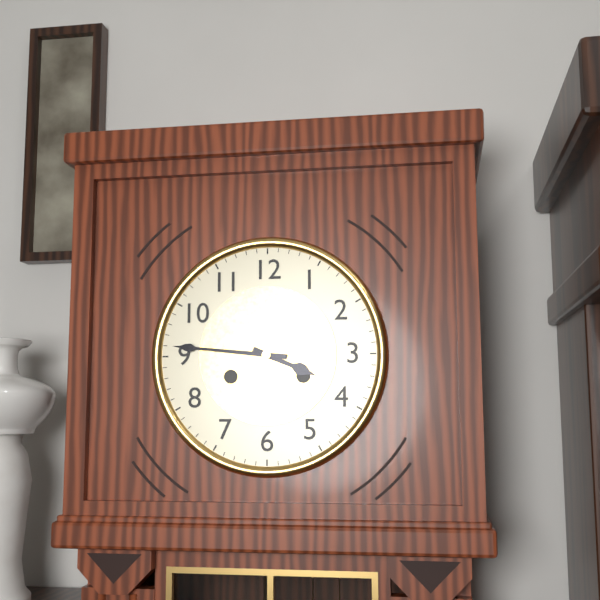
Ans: 3:46
